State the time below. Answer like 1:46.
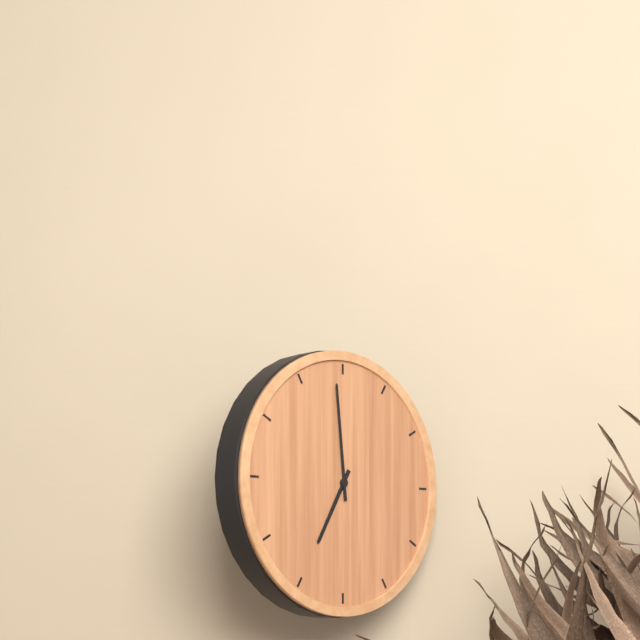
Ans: 6:59
